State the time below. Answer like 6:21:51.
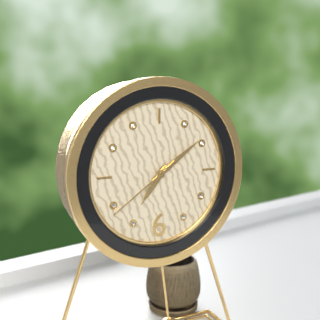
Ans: 7:09:39
